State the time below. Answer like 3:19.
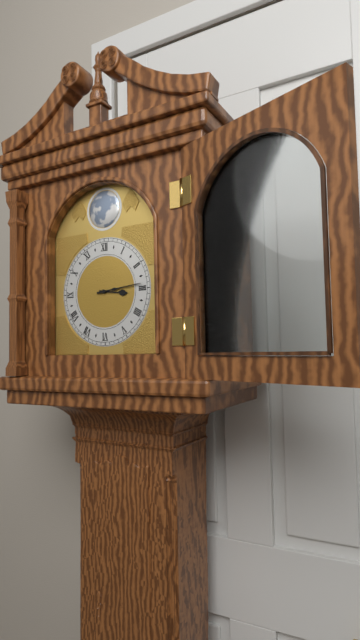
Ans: 3:14
